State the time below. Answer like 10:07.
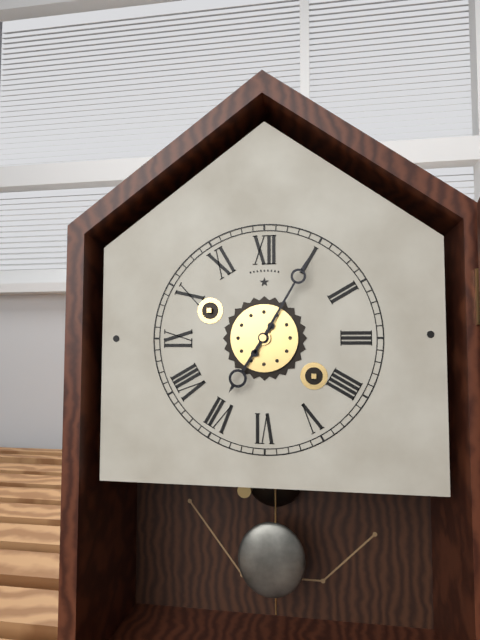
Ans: 7:05
